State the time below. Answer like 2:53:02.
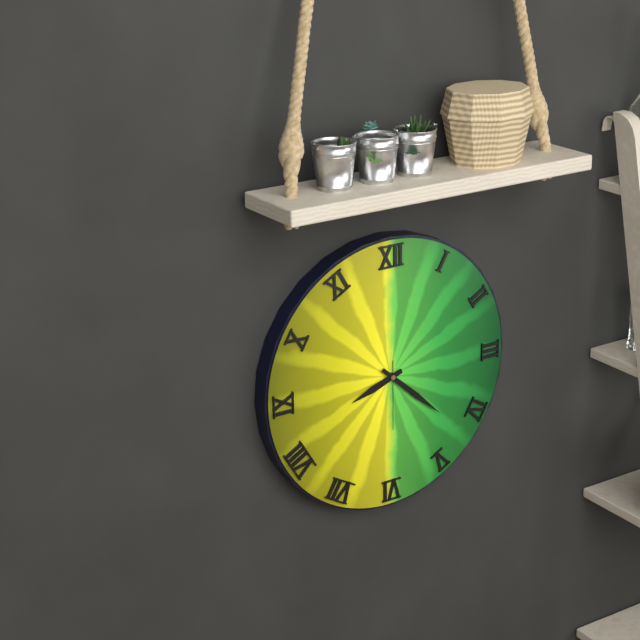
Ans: 8:22:30
